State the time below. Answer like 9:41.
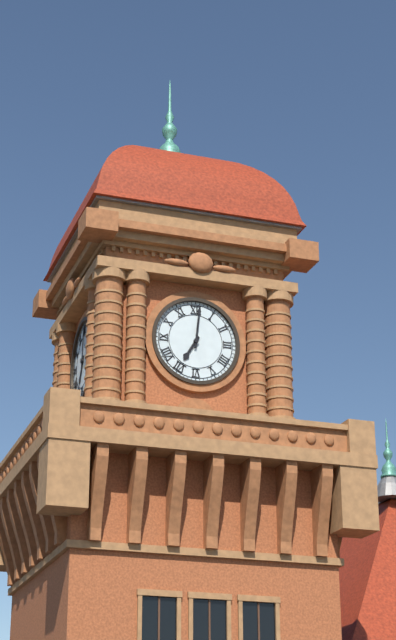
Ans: 7:01
